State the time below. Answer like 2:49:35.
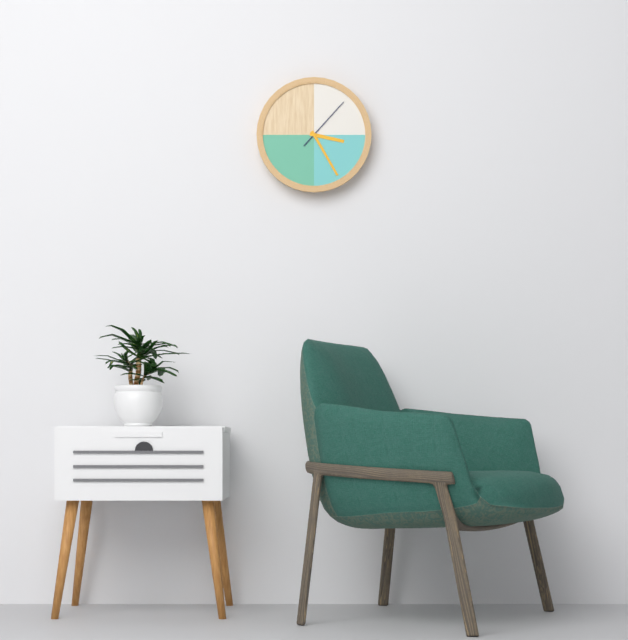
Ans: 3:25:07
